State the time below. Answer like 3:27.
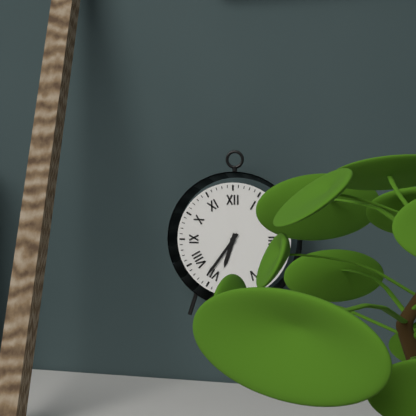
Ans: 6:36
